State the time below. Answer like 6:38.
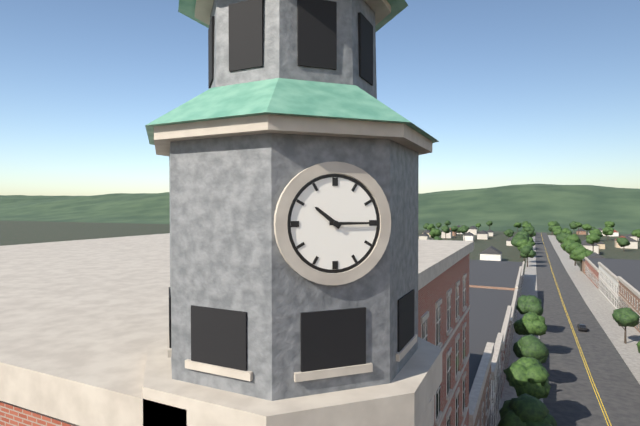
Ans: 10:15
